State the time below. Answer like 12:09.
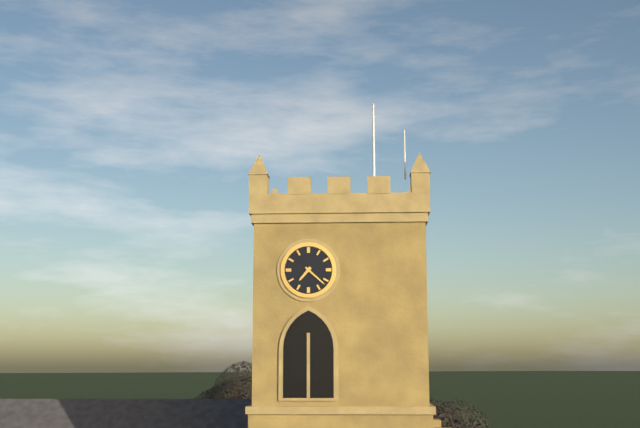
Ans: 7:22
